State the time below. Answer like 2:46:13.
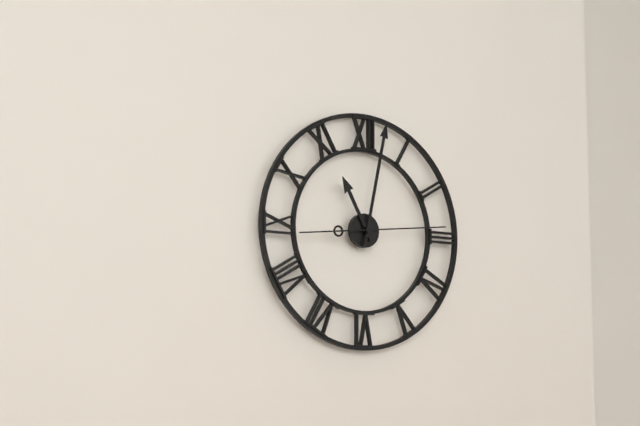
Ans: 11:02:14
